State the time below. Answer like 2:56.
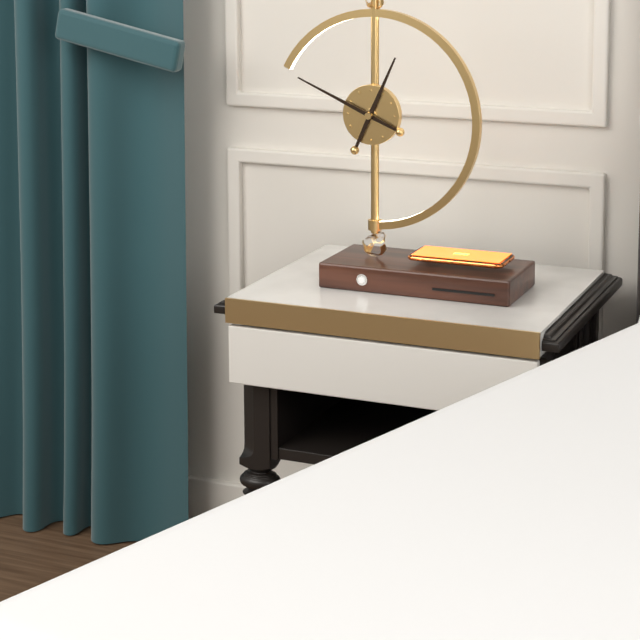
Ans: 12:49
